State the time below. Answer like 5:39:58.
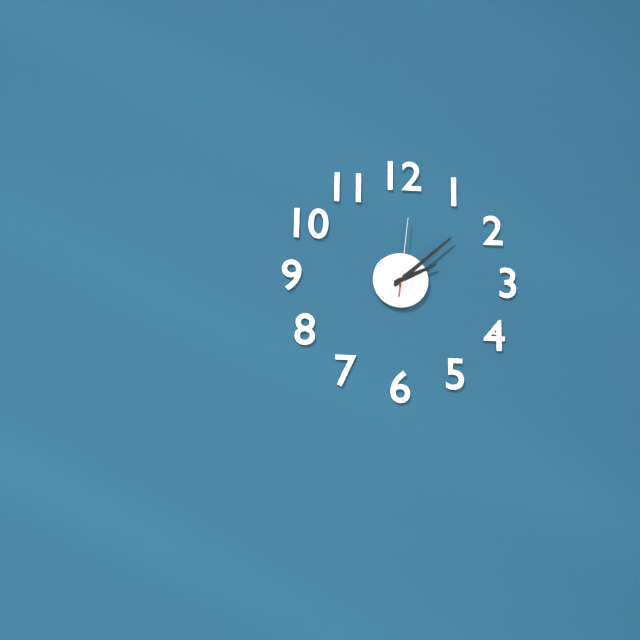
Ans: 2:08:01
